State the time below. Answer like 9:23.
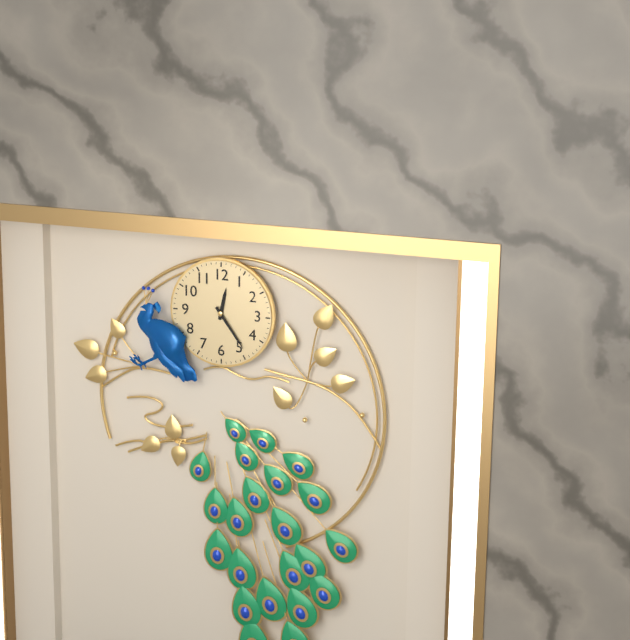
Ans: 12:24
